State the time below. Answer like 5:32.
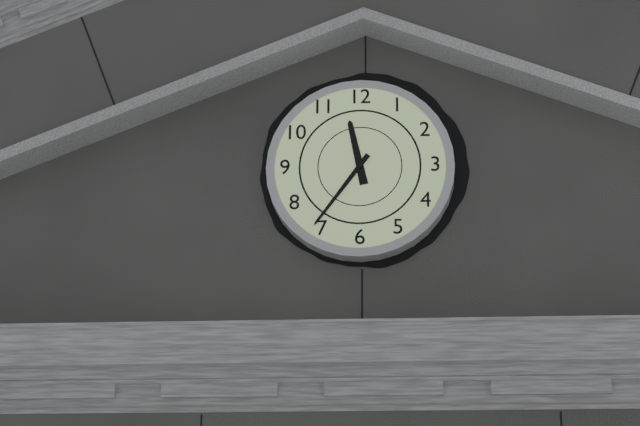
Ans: 11:36
